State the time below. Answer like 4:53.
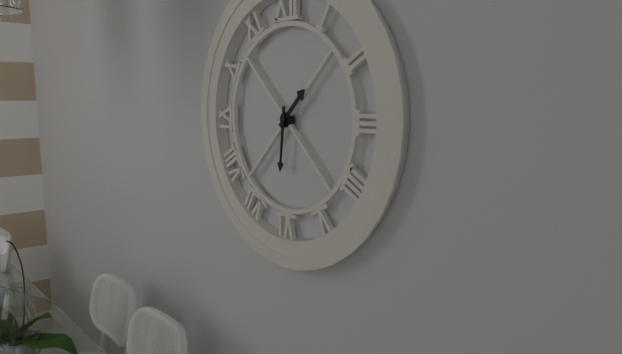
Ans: 1:31
